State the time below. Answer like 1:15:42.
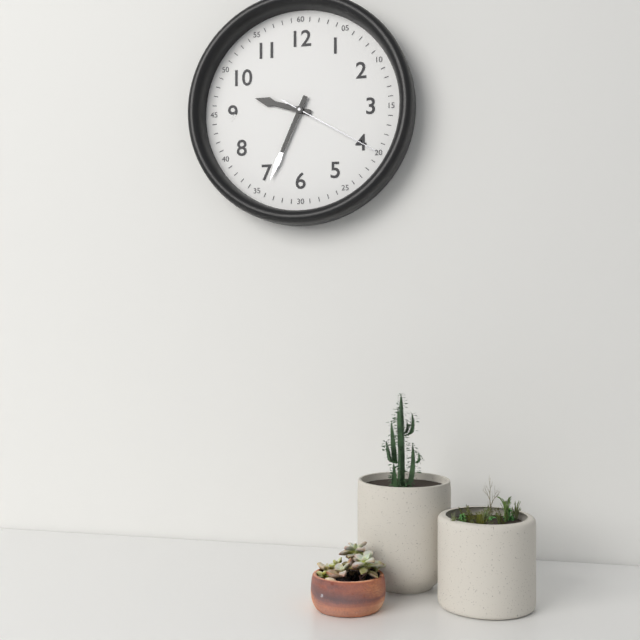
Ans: 9:34:20
